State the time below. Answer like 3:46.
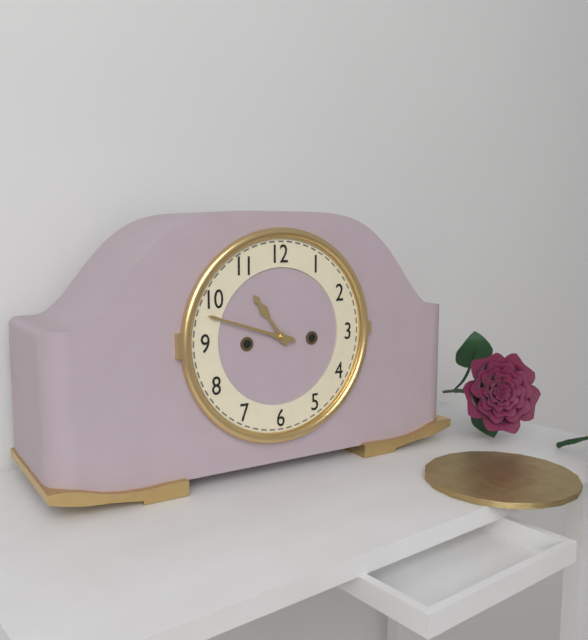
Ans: 10:48
